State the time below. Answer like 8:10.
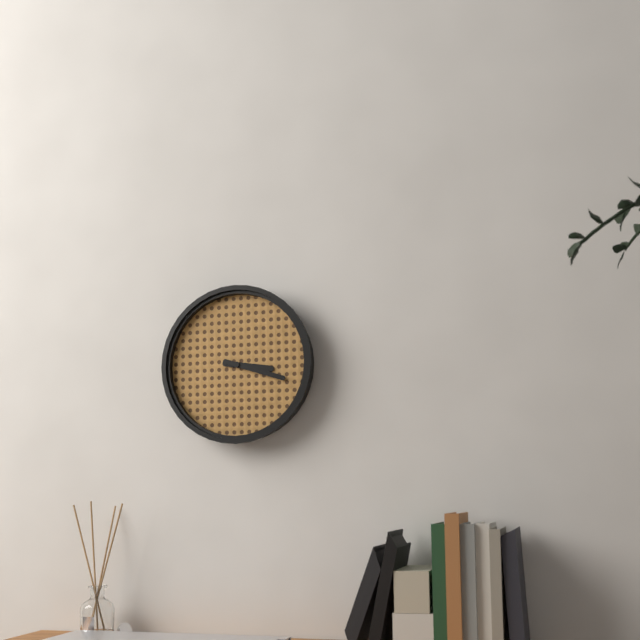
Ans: 3:18
